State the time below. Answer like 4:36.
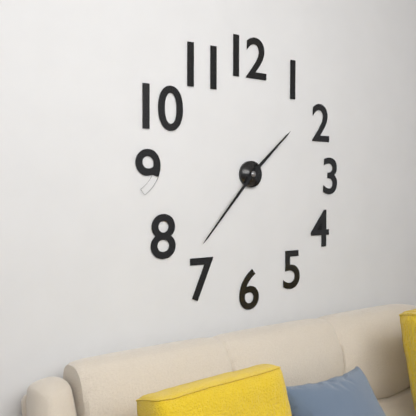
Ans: 1:37
